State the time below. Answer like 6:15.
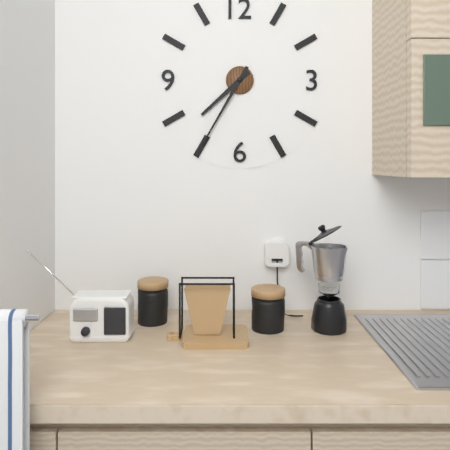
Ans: 7:35
